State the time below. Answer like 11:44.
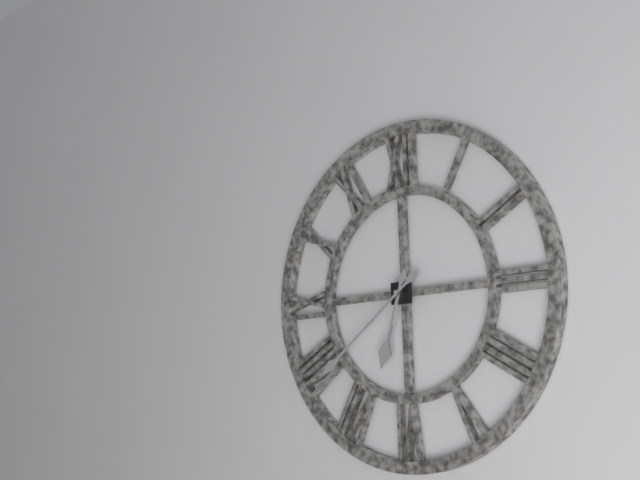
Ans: 6:39
